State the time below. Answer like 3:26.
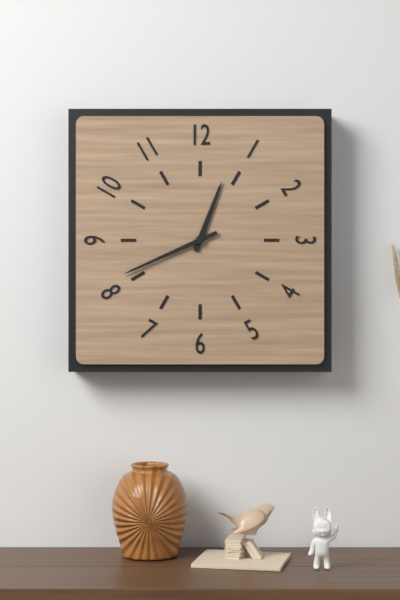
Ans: 12:41
